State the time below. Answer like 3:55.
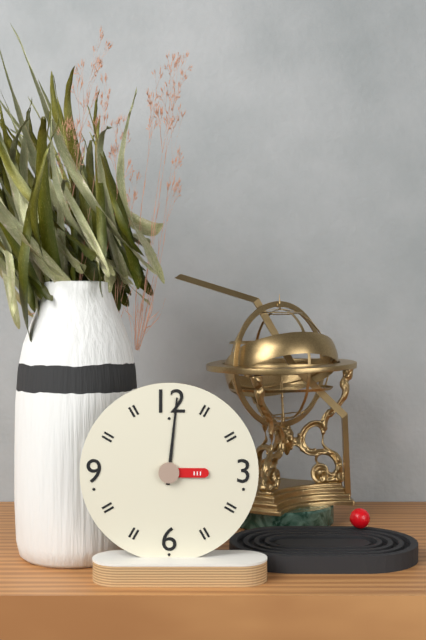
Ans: 3:01
